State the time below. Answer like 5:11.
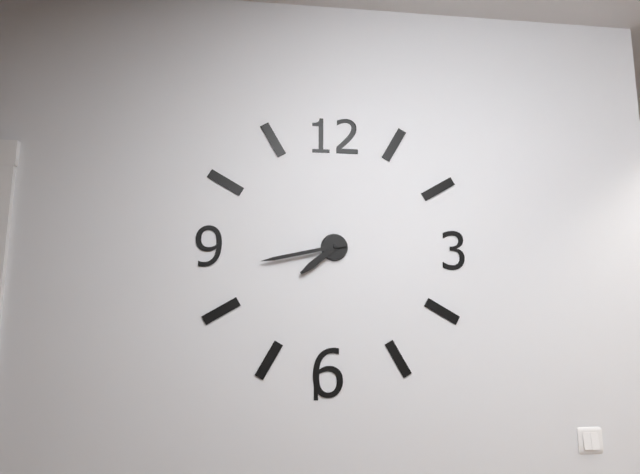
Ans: 7:43
